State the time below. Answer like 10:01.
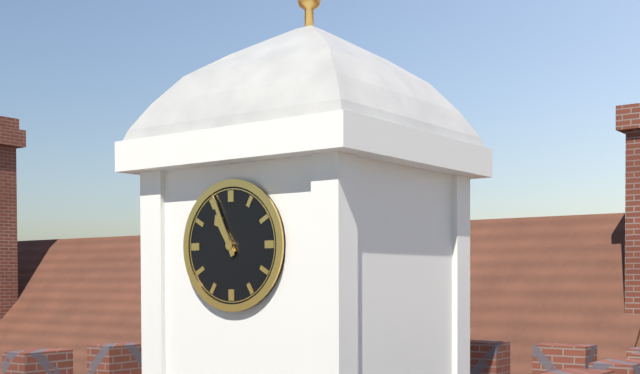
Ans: 10:56
